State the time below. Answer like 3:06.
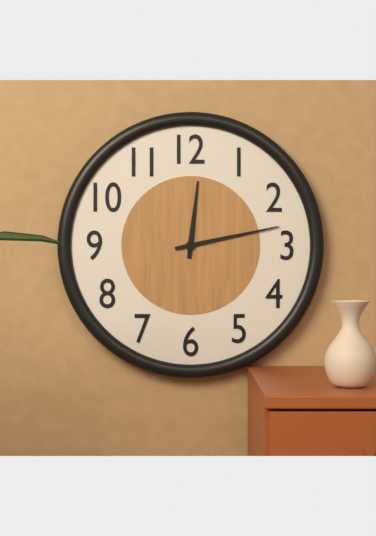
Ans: 12:13
